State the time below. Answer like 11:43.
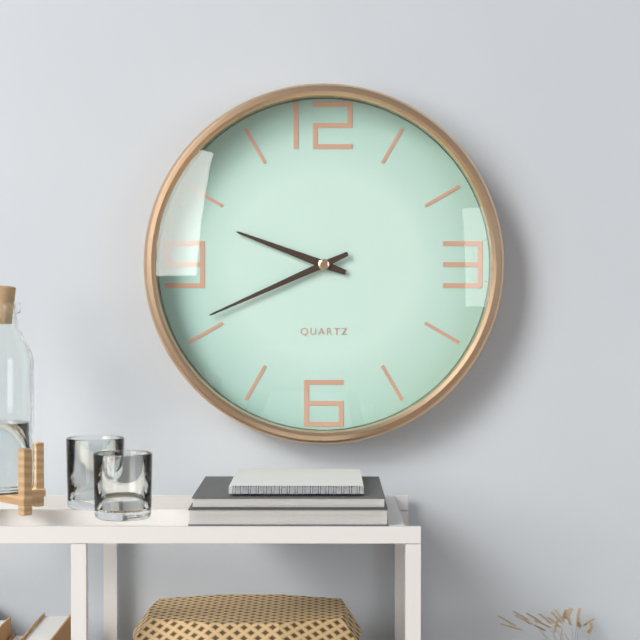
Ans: 9:41
